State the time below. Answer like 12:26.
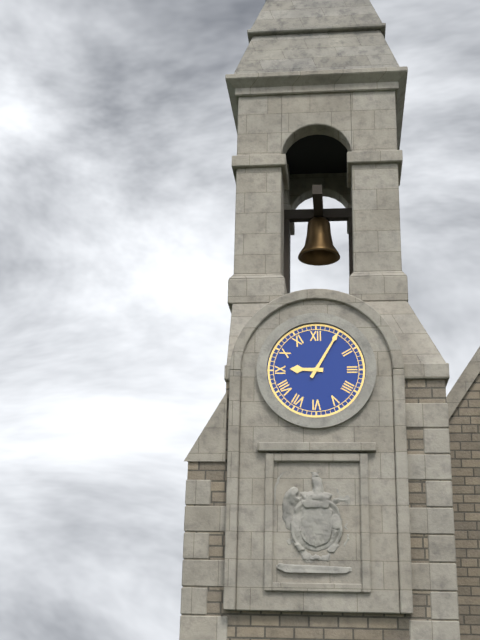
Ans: 9:05
